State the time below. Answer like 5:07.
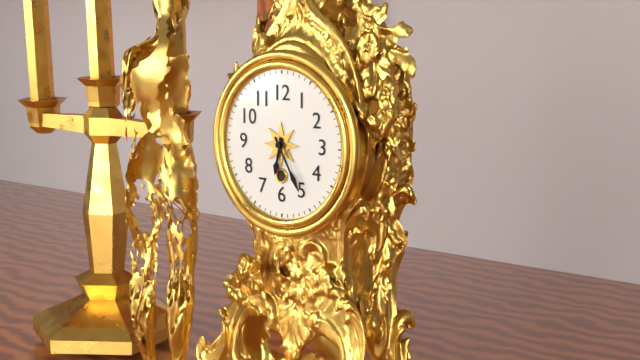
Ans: 6:25
